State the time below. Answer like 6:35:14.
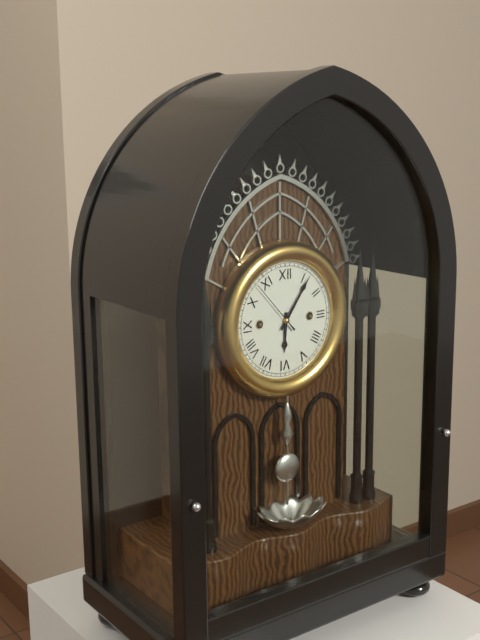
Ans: 6:06:53
